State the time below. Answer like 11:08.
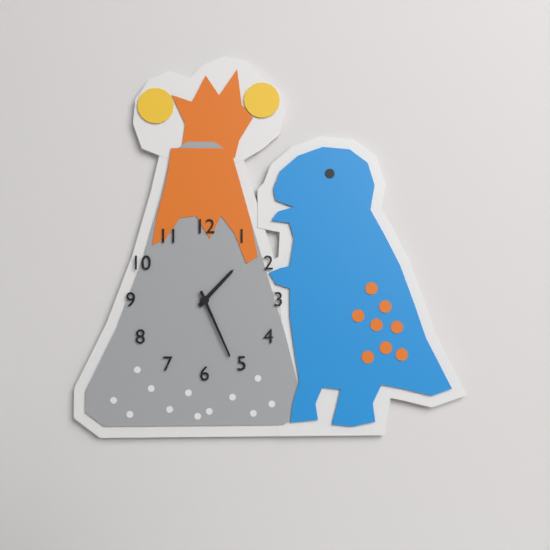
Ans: 1:26
